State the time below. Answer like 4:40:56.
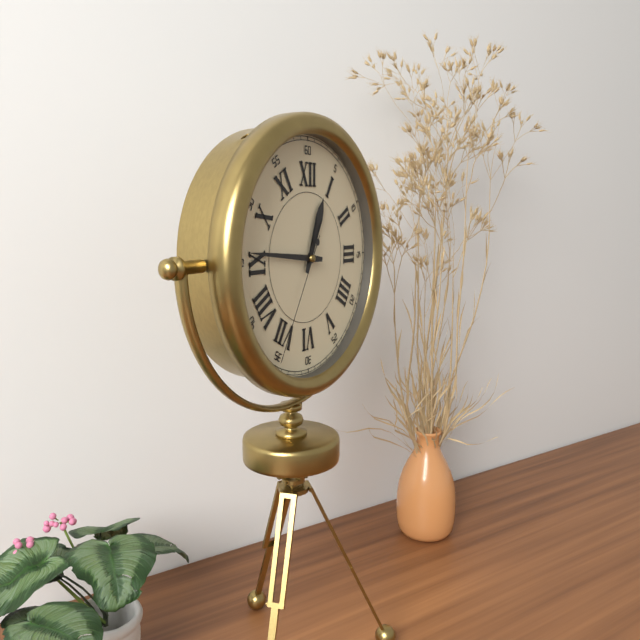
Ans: 12:46:35
